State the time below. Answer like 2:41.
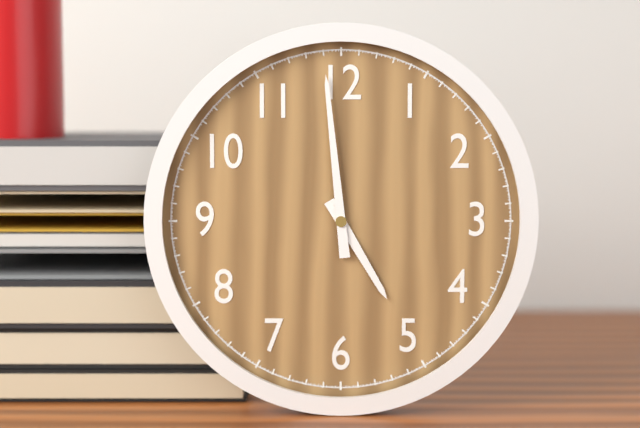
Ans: 4:59
